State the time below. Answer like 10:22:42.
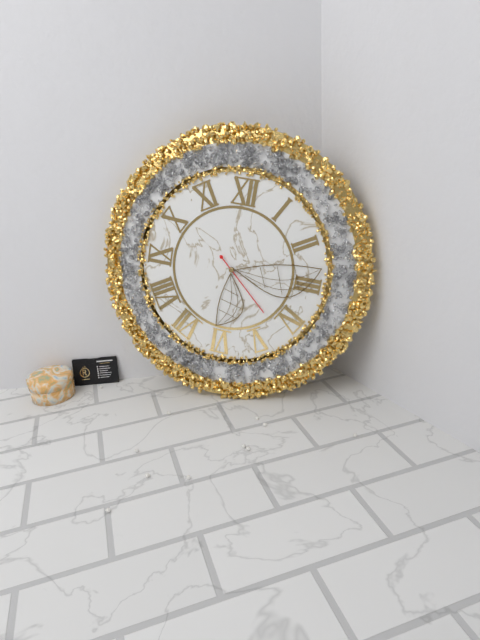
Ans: 6:13:22
